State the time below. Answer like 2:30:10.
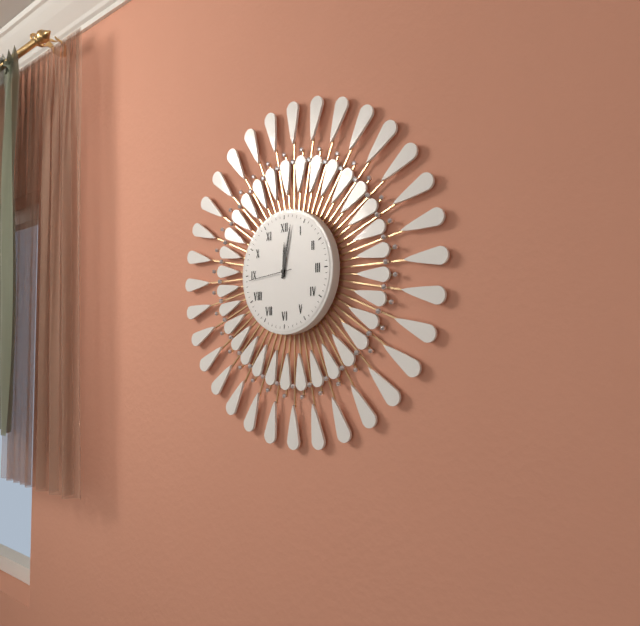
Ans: 12:02:44
